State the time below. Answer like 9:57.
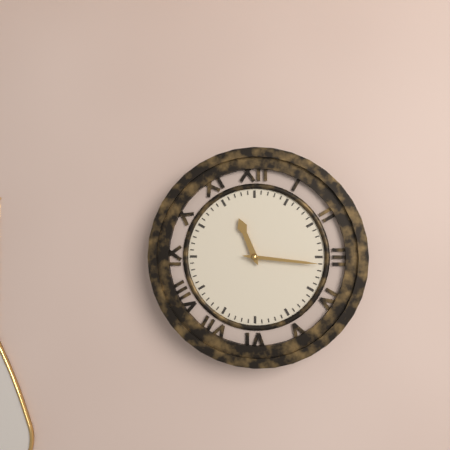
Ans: 11:16
